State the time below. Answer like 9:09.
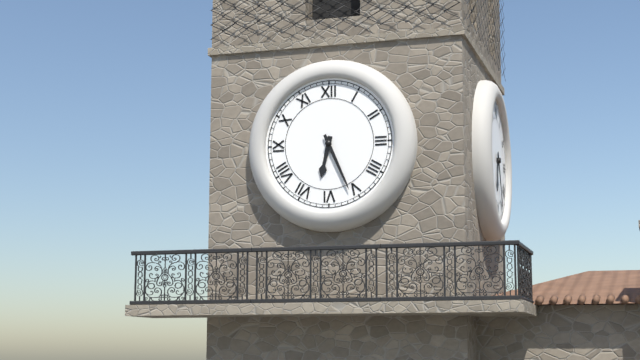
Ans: 6:26
